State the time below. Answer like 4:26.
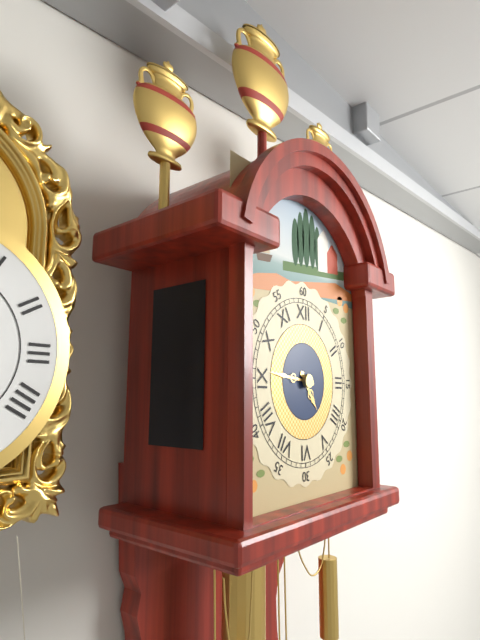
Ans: 4:46
